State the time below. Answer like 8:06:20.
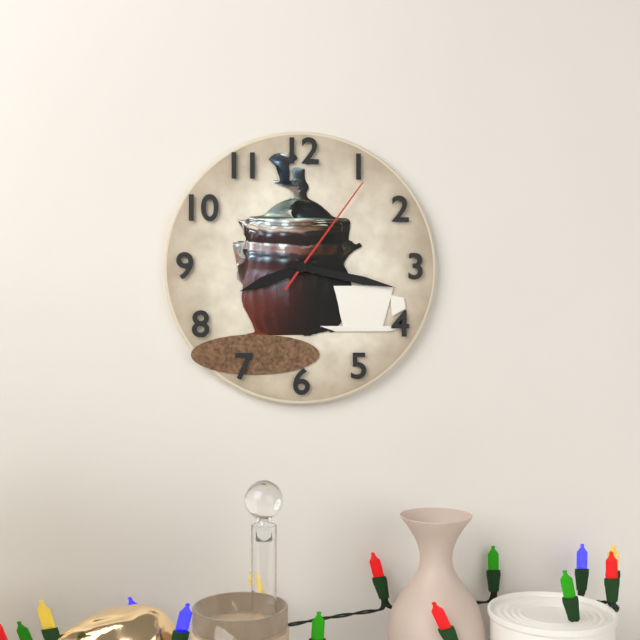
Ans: 8:17:06
